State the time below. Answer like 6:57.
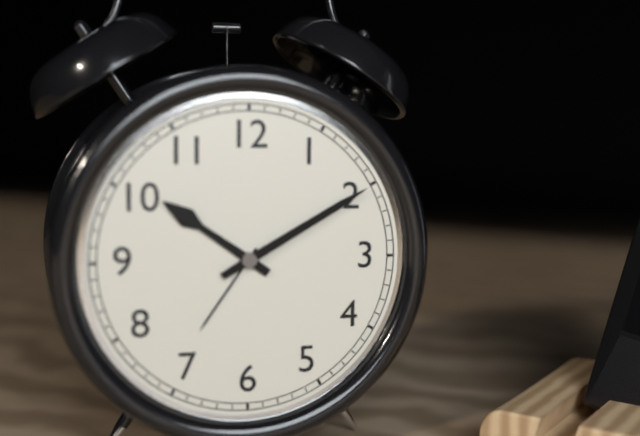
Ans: 10:10
